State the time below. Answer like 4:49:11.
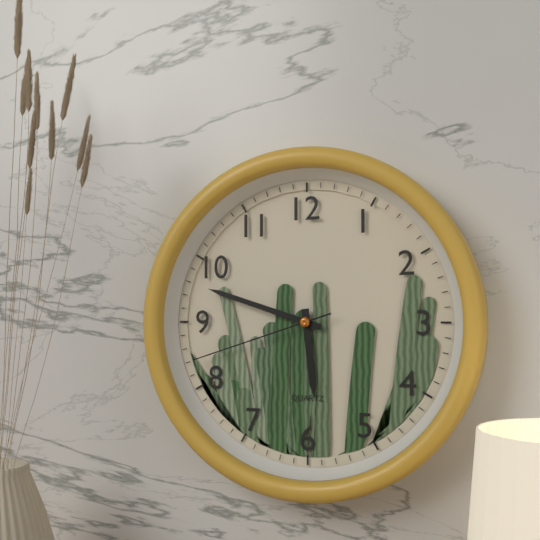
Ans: 5:48:42
